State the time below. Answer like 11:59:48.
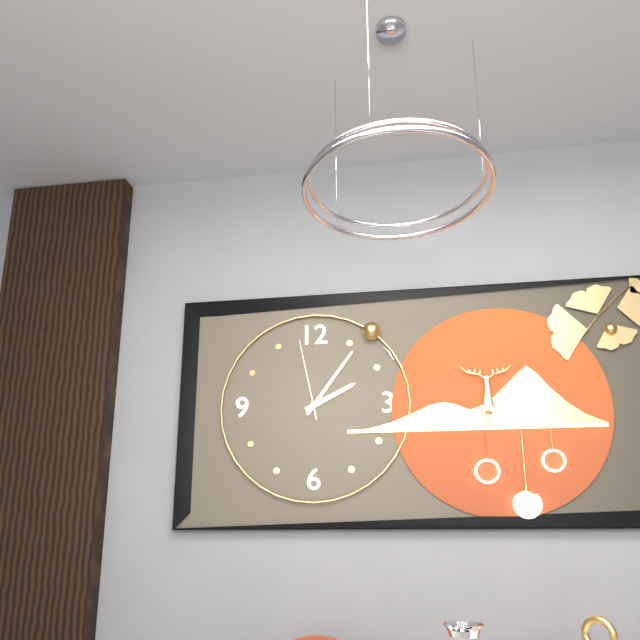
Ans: 2:06:58
